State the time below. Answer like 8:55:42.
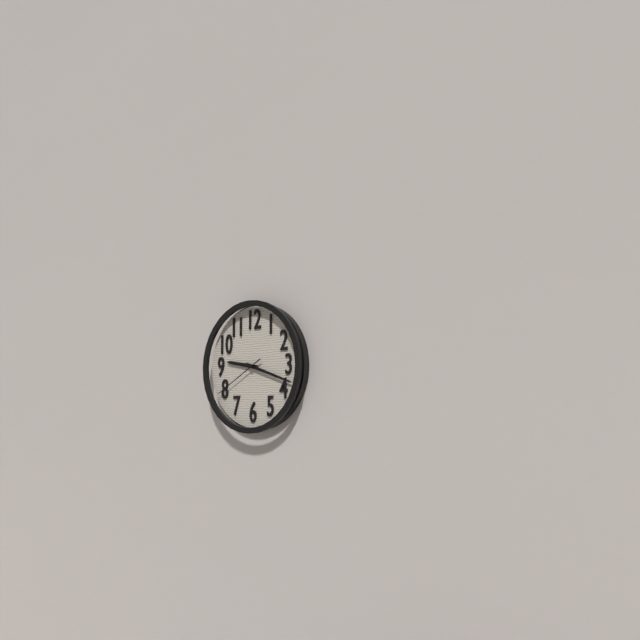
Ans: 9:18:40
